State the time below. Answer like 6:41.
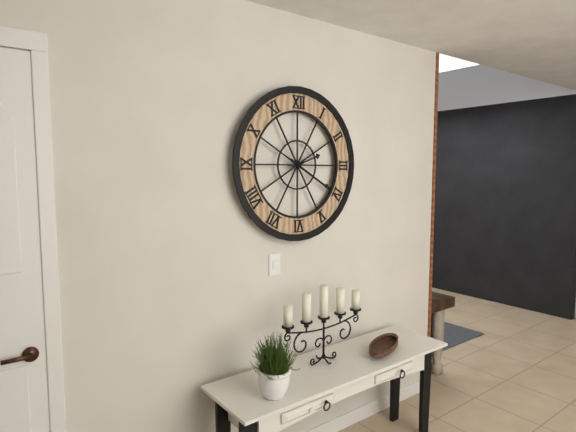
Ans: 2:20
